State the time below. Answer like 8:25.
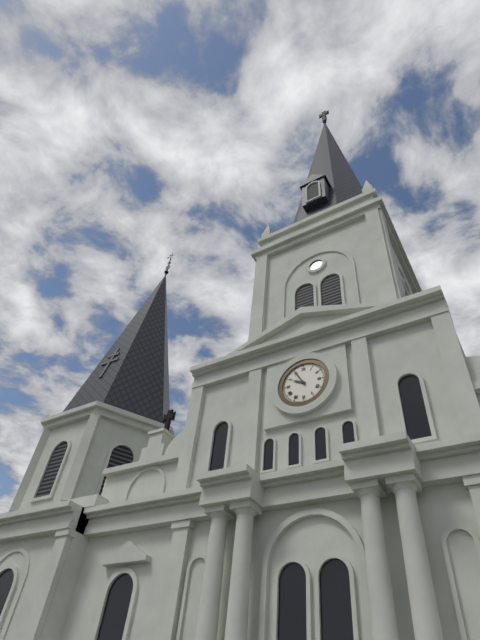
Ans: 9:55
